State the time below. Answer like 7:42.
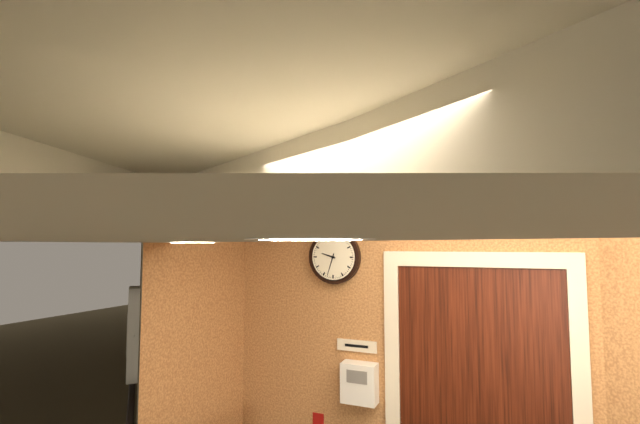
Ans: 9:33
